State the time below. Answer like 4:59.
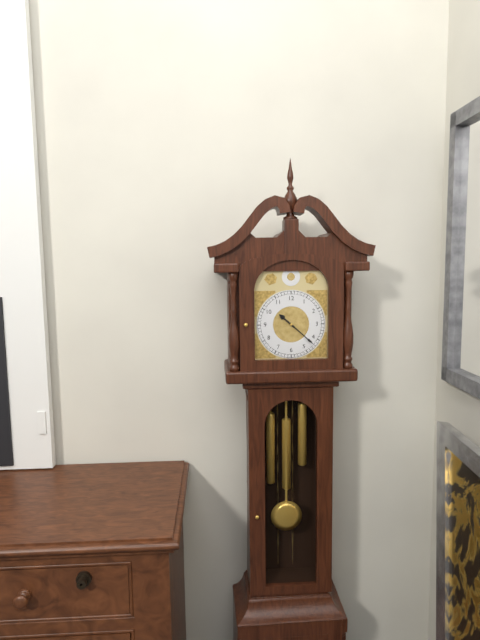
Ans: 10:22
